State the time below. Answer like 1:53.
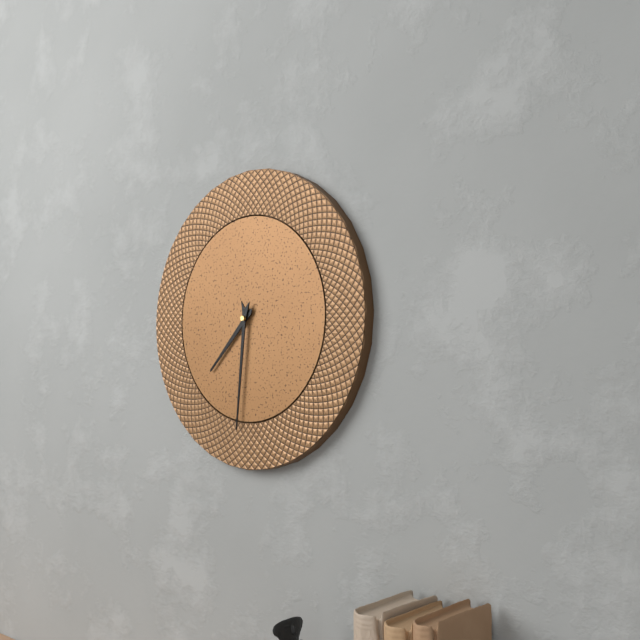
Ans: 7:31
